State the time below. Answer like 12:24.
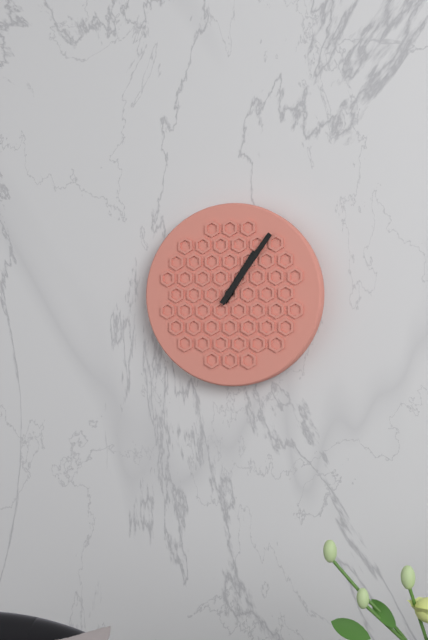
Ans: 1:06
